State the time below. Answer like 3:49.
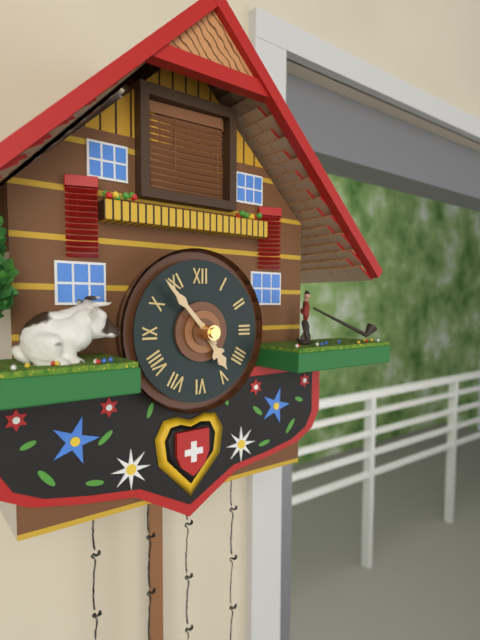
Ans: 4:53
